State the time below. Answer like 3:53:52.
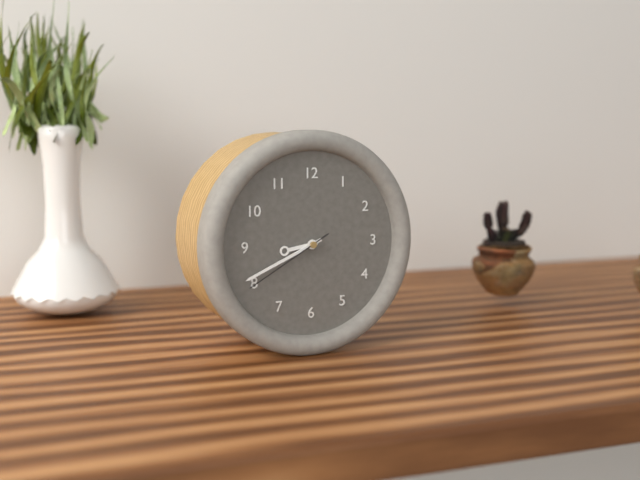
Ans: 8:41:40
